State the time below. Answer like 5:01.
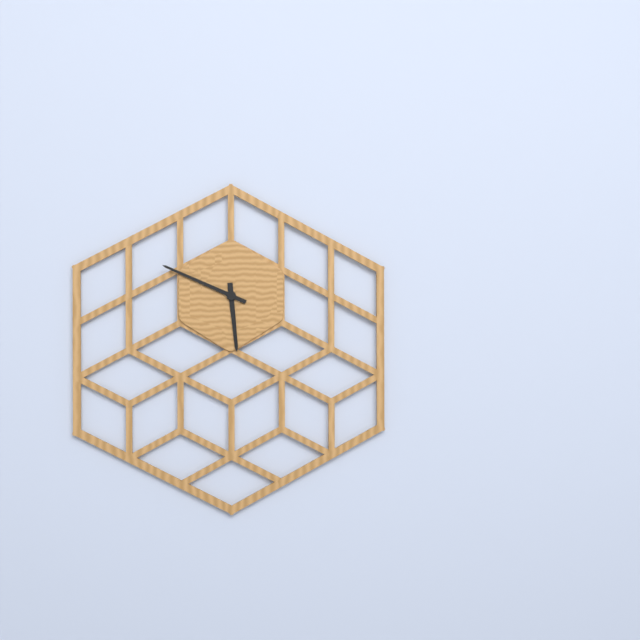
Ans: 5:49
